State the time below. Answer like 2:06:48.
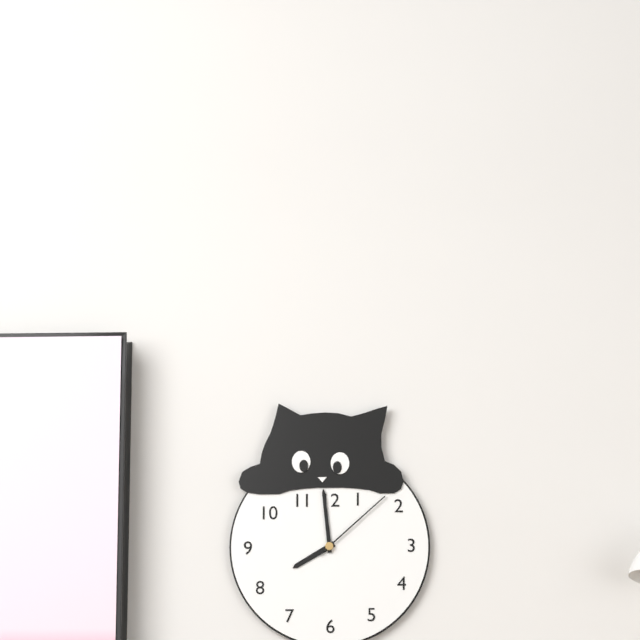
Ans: 7:59:08
